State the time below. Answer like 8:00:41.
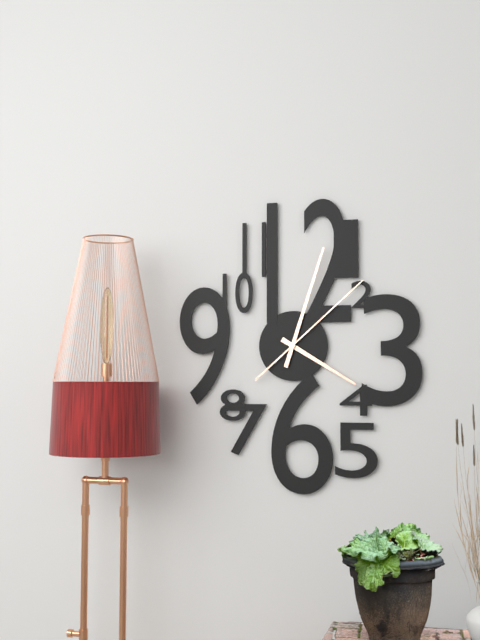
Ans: 4:03:08
